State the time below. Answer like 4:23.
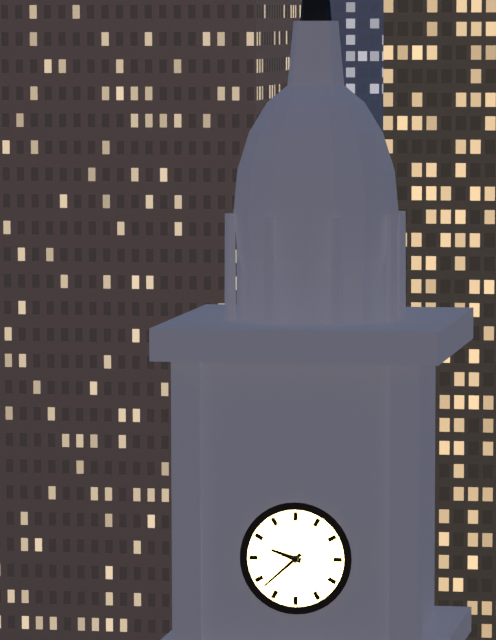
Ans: 9:38
